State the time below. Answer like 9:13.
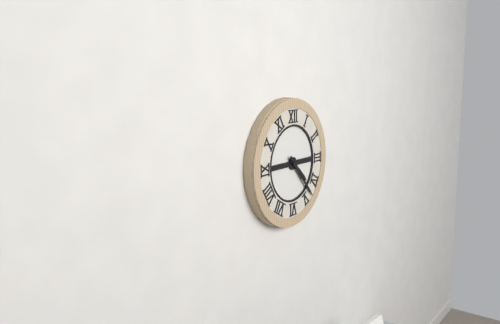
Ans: 4:23
